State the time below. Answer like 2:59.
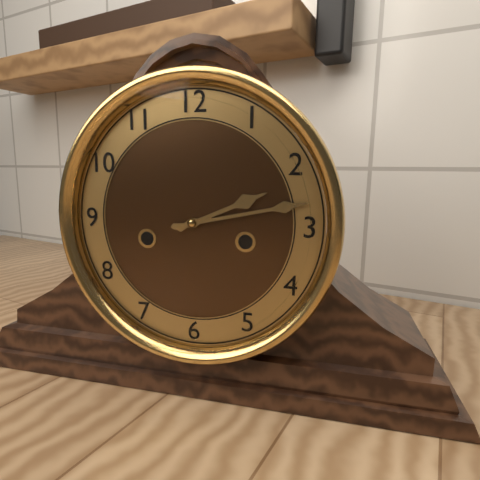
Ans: 2:13
